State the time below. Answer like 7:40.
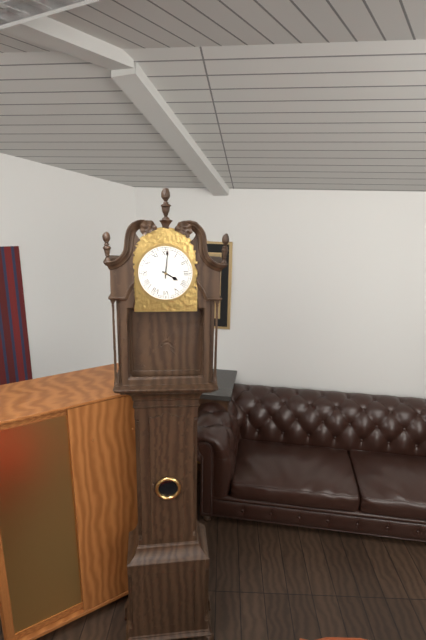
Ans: 4:01
